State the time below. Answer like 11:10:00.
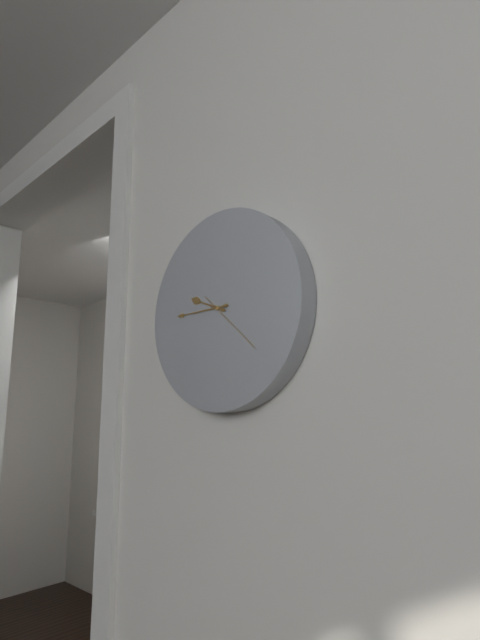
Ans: 9:45:22
